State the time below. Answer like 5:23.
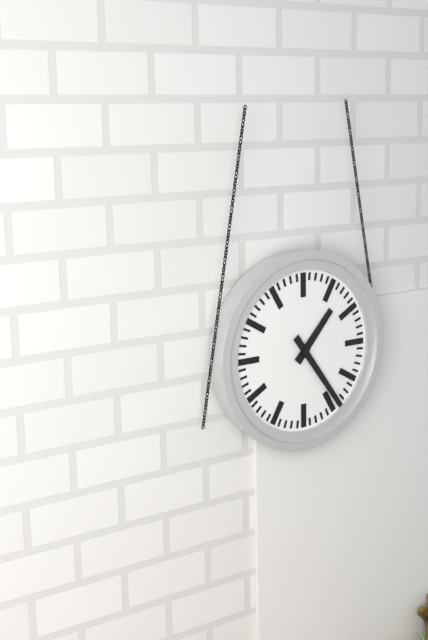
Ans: 1:24
